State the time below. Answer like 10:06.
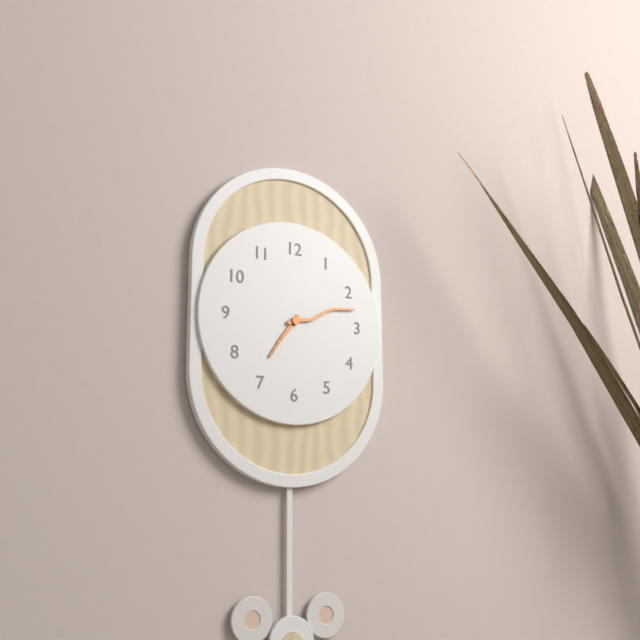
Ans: 7:12
